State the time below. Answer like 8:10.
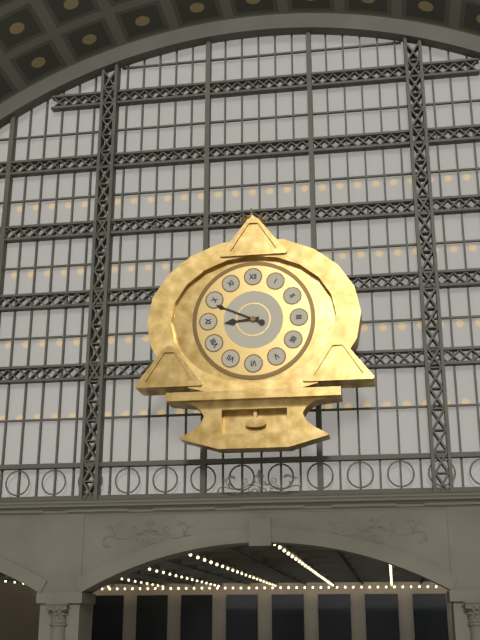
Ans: 8:49
